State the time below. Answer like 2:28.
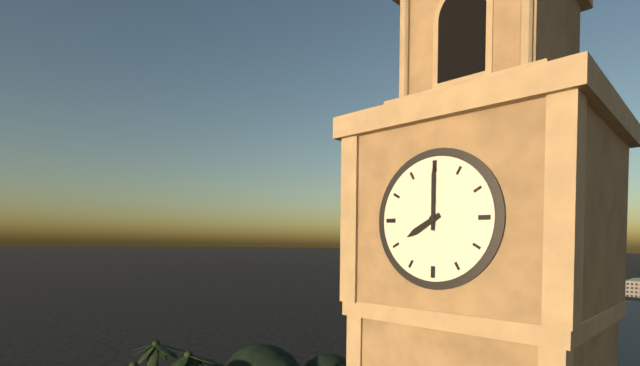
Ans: 8:00
